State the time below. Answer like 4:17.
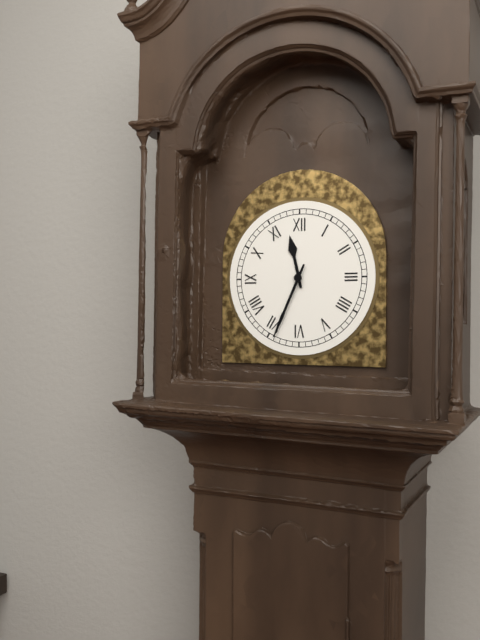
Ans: 11:34
